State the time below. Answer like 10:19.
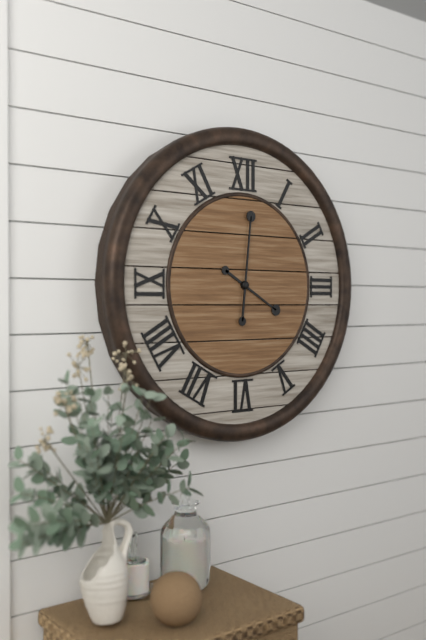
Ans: 4:01
